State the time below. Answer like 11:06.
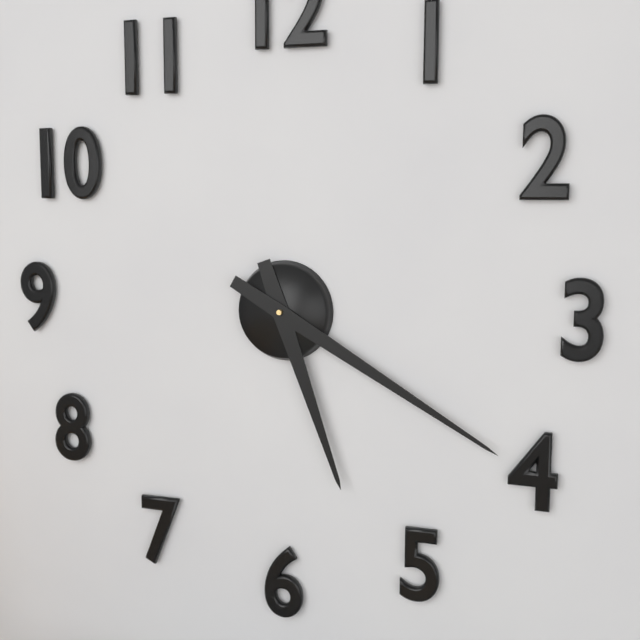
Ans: 5:20
